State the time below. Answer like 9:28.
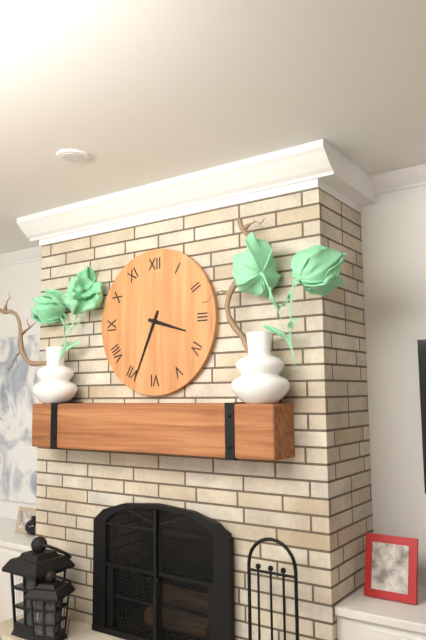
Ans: 3:34
